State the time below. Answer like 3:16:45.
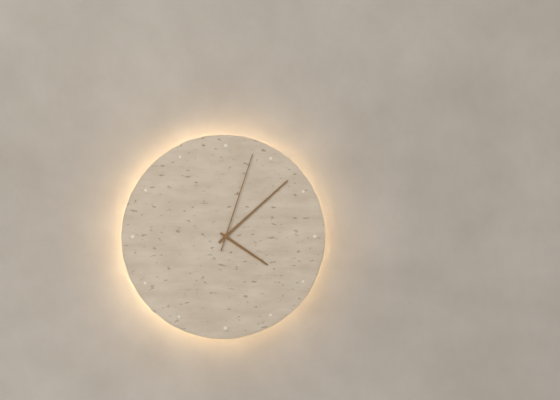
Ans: 4:08:03
